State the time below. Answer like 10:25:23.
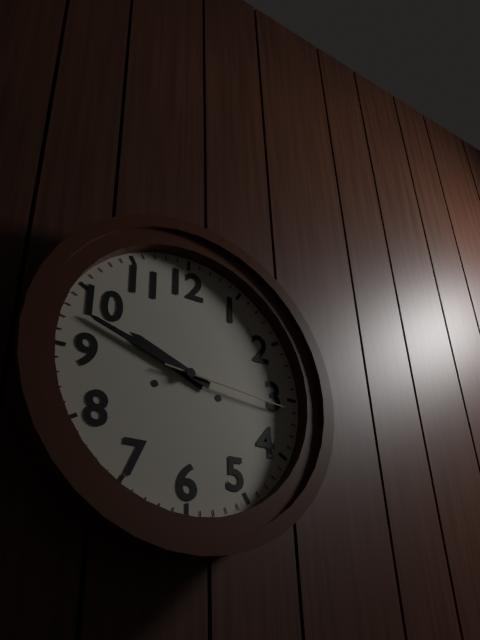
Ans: 9:48:16
